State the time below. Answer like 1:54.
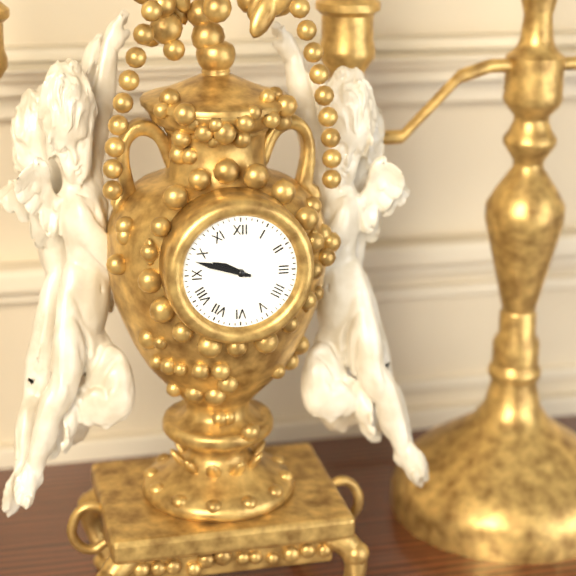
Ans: 9:48
